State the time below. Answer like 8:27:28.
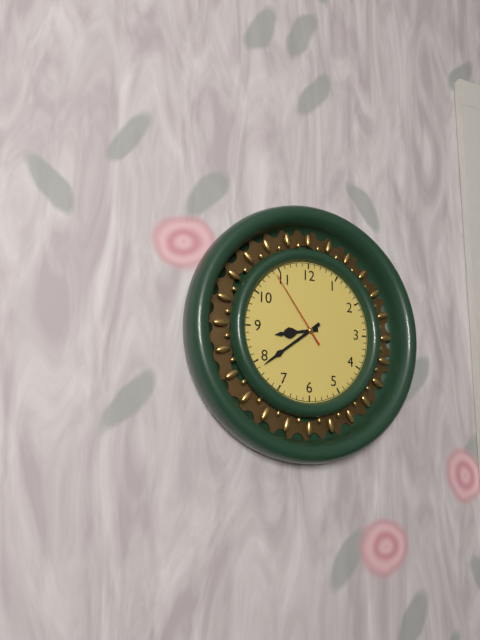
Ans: 8:39:54
